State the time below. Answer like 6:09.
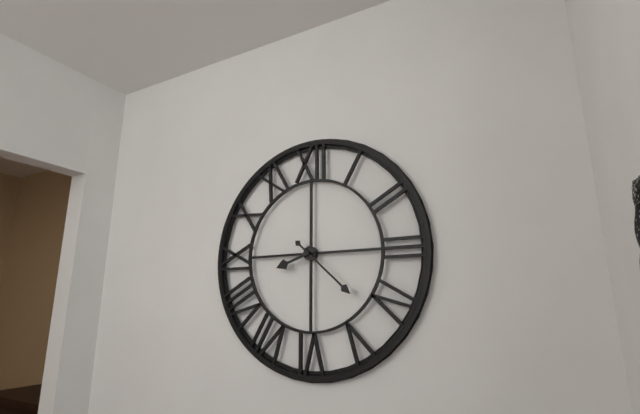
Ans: 8:22
